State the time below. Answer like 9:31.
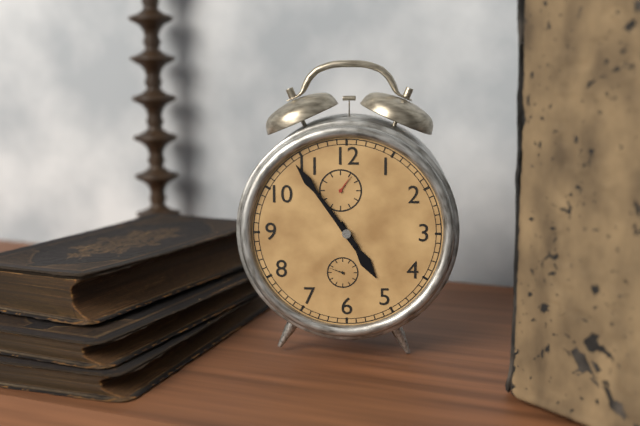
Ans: 4:54
